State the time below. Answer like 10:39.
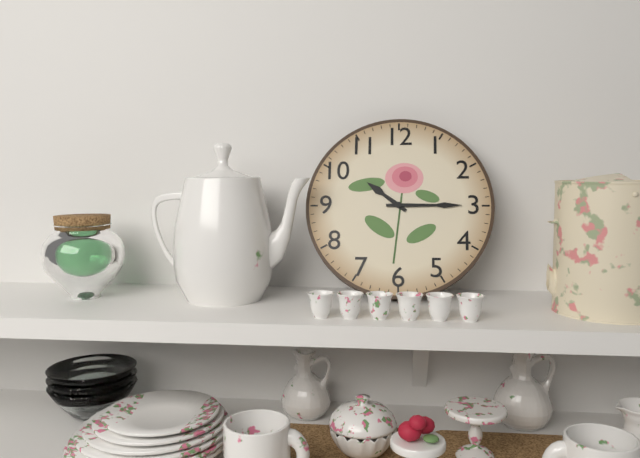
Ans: 10:15
